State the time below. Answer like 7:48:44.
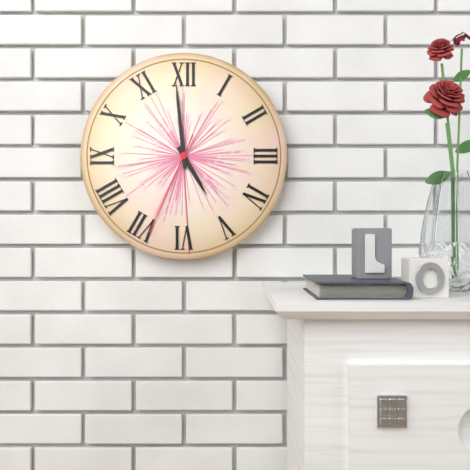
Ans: 4:59:34
